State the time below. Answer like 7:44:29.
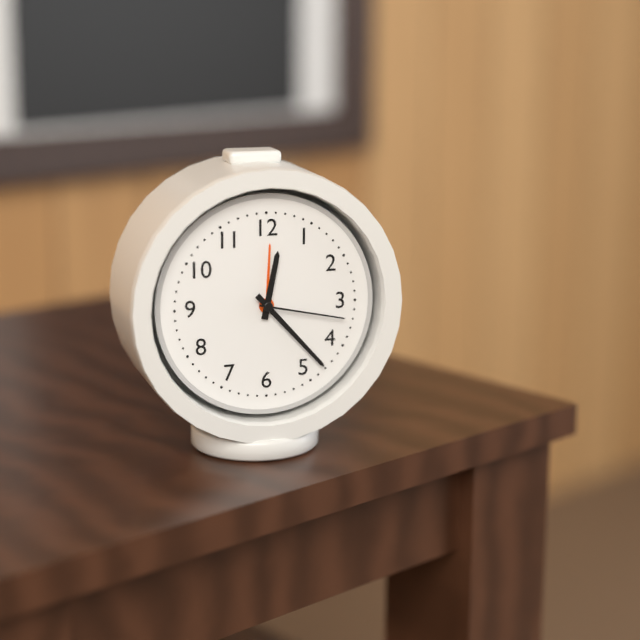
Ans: 12:23:17
